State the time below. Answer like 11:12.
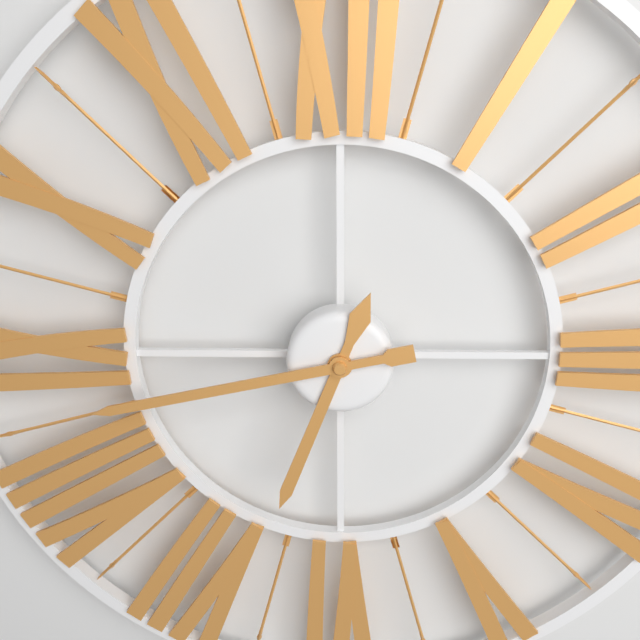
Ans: 6:43
